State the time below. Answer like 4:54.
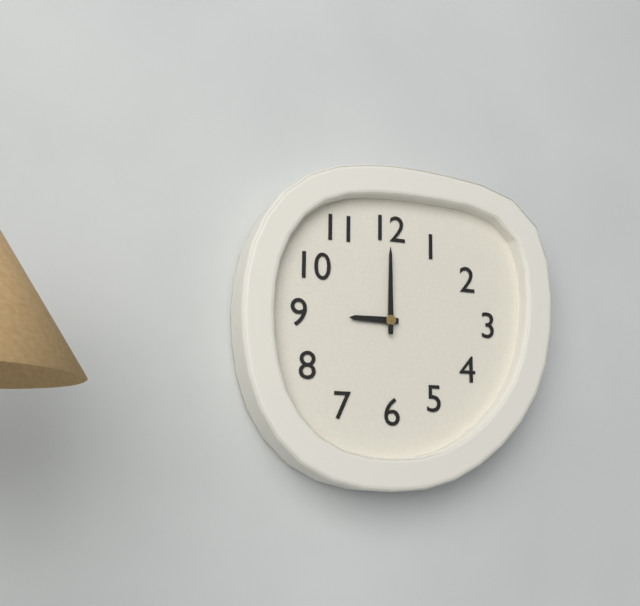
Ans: 9:00
